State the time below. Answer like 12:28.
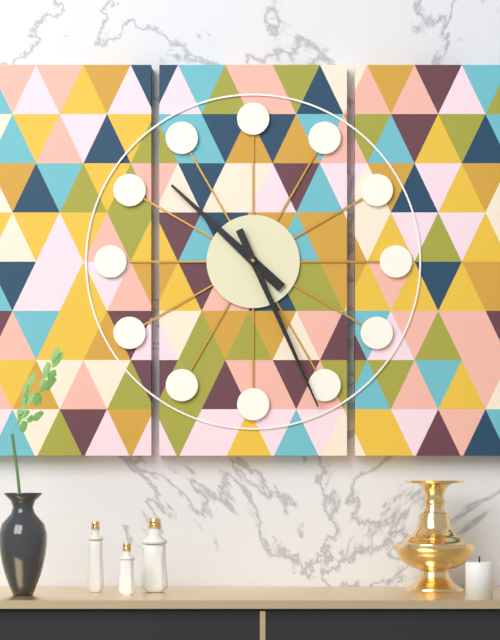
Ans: 10:26
